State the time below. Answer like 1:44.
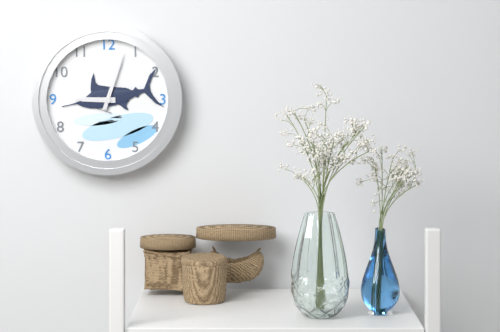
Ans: 9:03
